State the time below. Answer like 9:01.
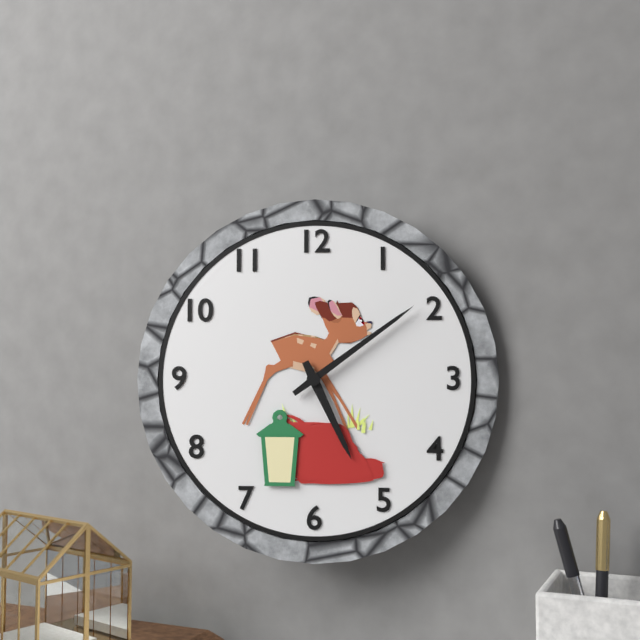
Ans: 5:09
